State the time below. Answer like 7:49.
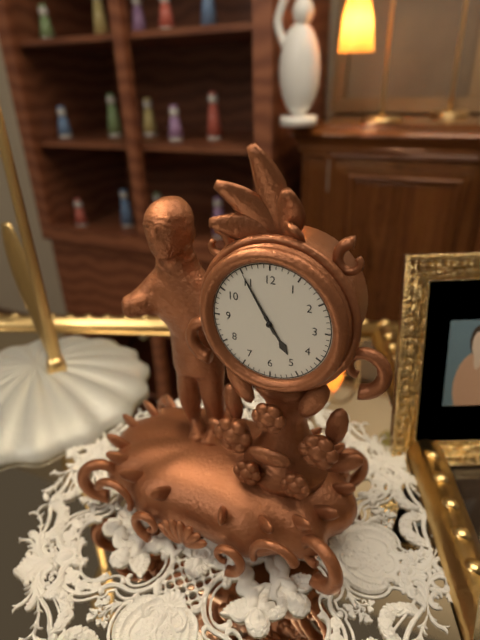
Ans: 4:55
